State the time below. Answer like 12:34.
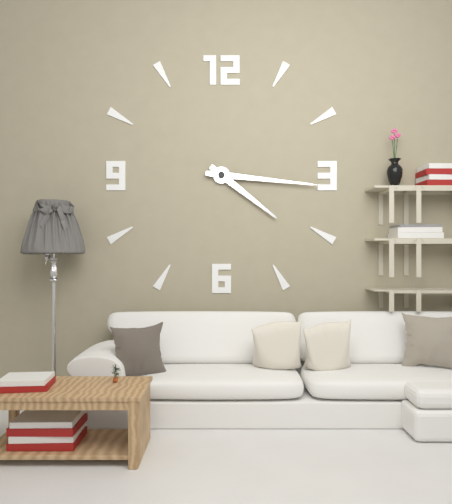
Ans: 4:16
